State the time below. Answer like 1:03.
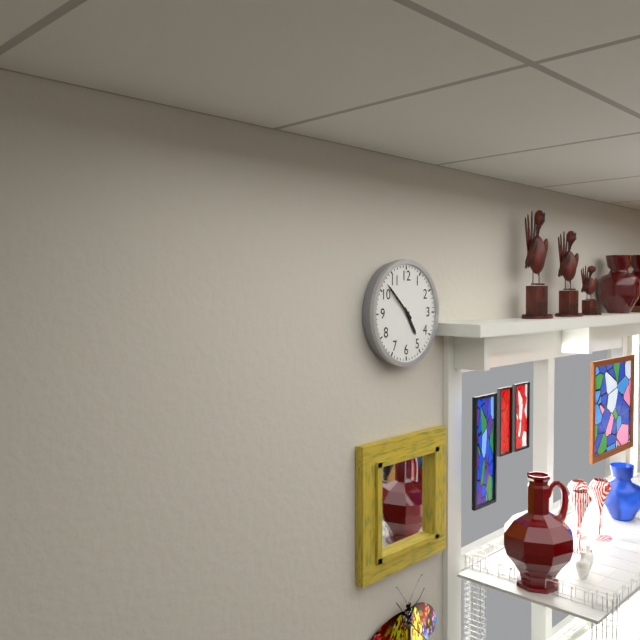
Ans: 4:52
